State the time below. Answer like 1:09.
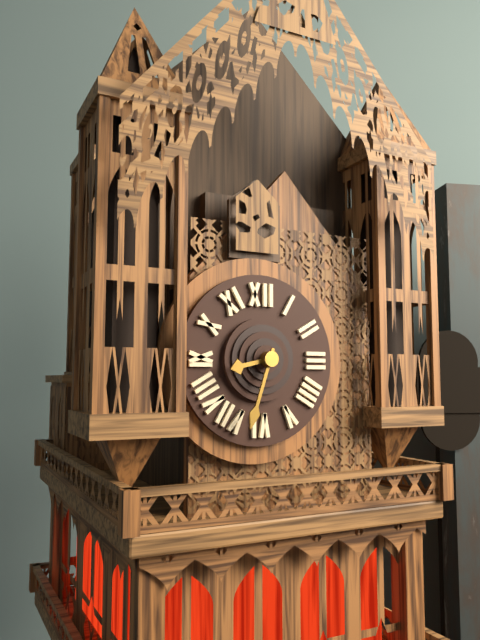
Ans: 8:33
